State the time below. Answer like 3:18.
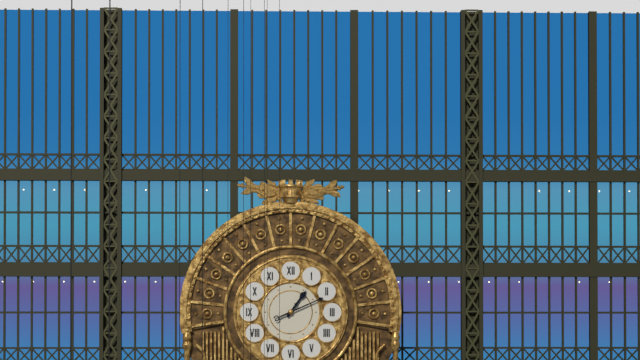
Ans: 1:11
